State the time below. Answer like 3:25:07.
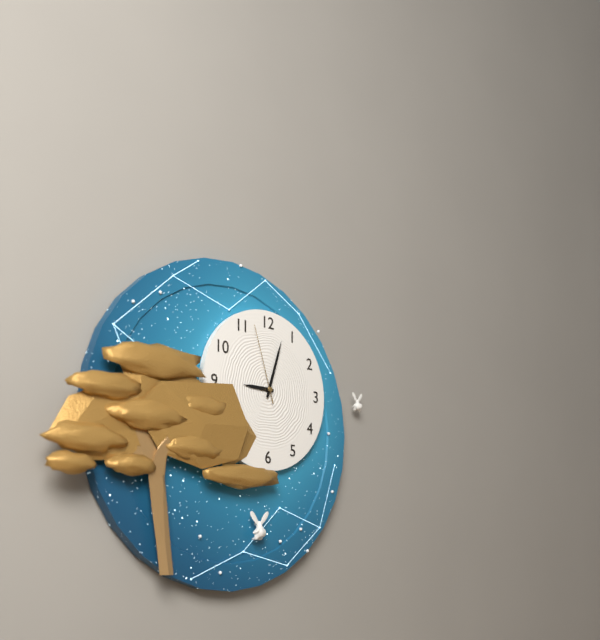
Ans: 9:03:57
